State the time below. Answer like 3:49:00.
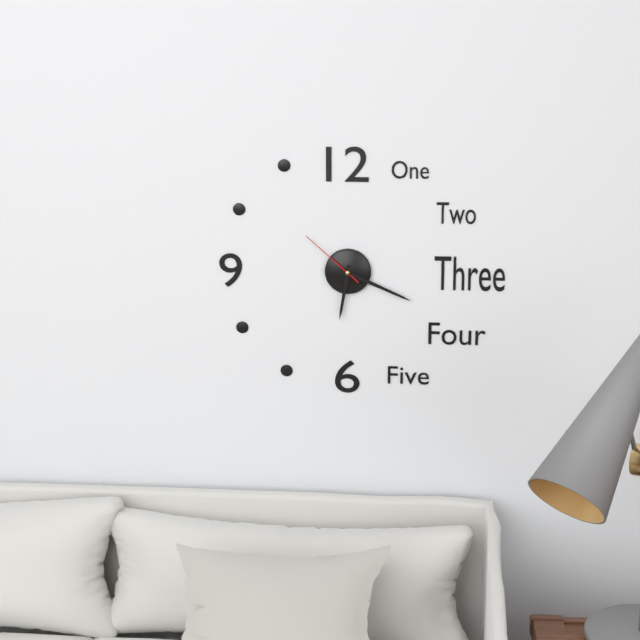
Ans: 6:19:52
